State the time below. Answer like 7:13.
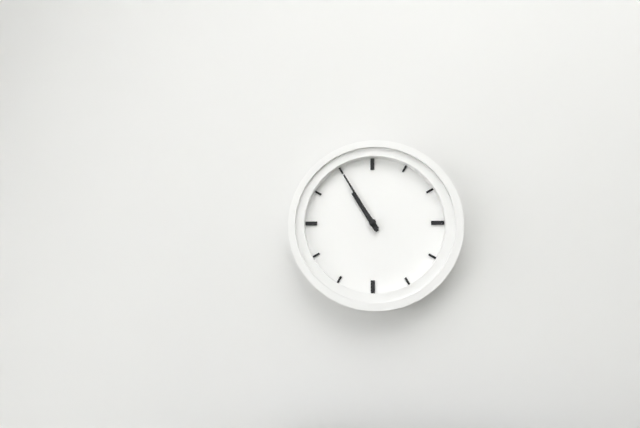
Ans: 10:55
